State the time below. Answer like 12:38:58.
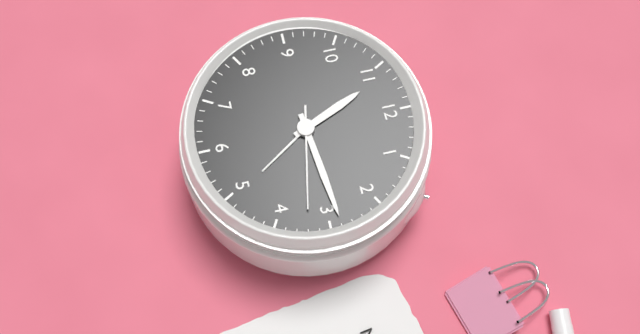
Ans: 11:14:17
